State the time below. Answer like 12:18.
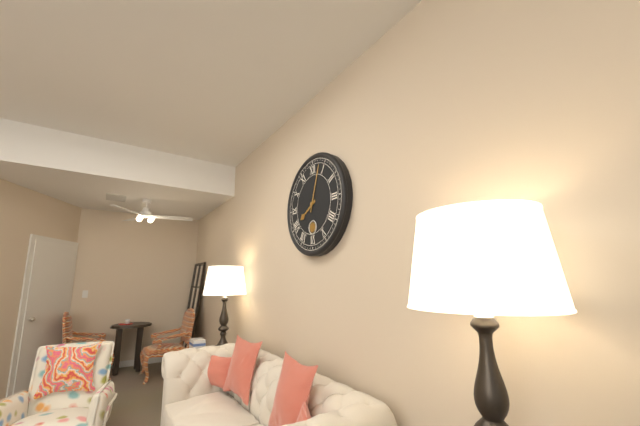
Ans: 8:03
